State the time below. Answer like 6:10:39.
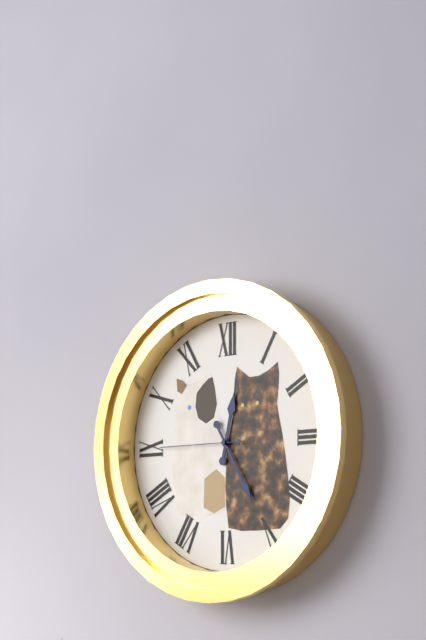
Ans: 12:25:45
